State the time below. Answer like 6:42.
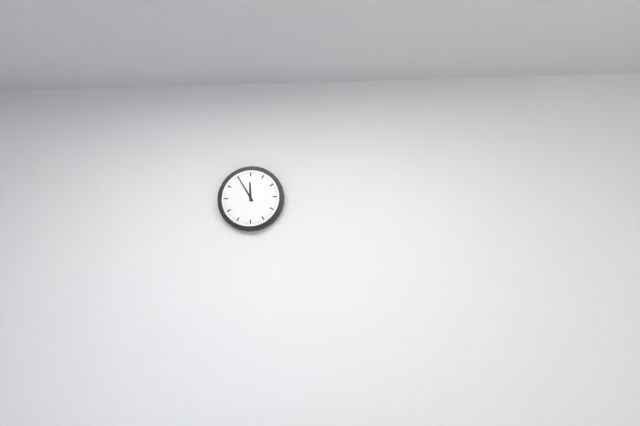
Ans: 11:55
